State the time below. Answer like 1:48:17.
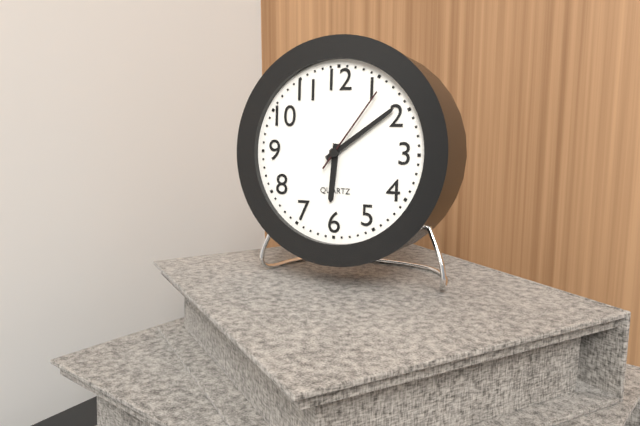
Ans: 6:09:06
